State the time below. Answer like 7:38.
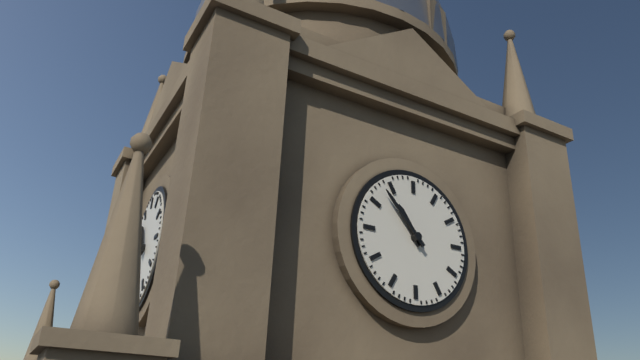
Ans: 10:53
